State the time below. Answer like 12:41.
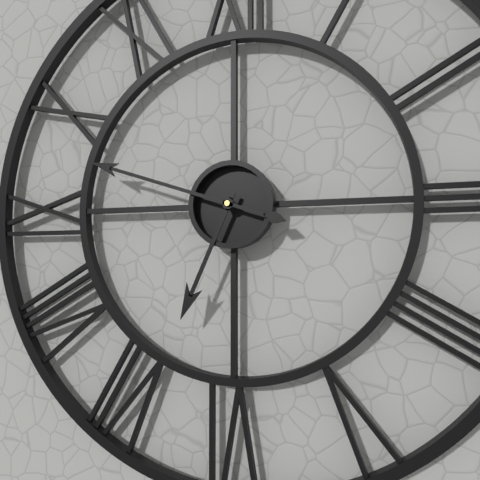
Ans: 6:48
